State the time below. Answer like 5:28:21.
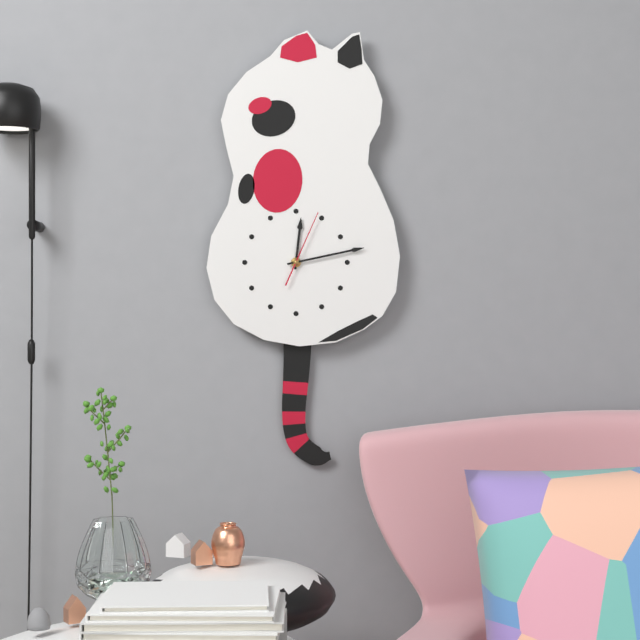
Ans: 12:13:04
